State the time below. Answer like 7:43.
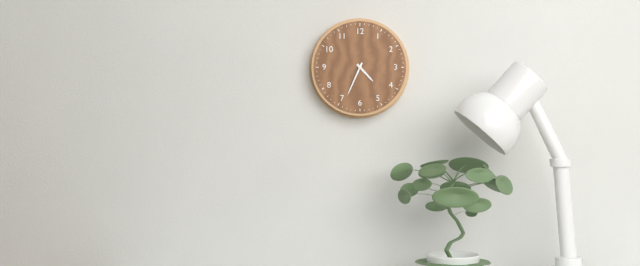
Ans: 4:34
